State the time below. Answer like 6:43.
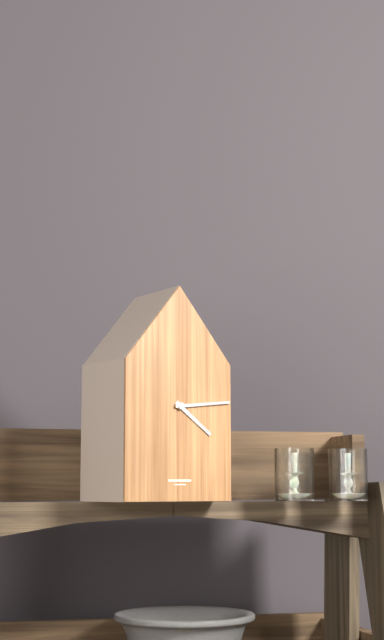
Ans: 4:14
